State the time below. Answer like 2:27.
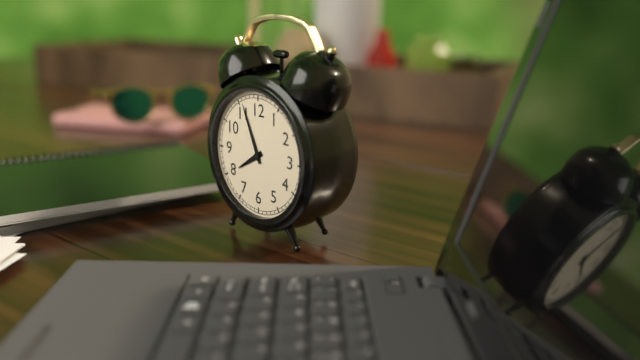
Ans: 7:56
